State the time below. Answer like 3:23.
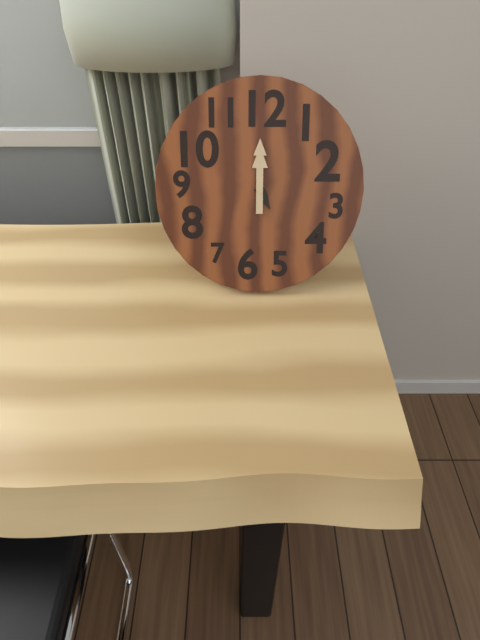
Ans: 5:00
